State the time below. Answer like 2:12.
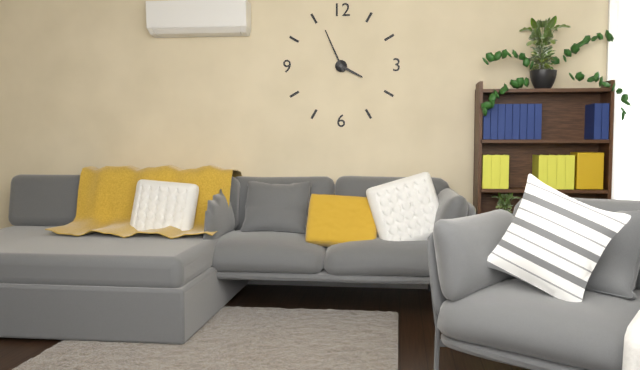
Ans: 3:56
